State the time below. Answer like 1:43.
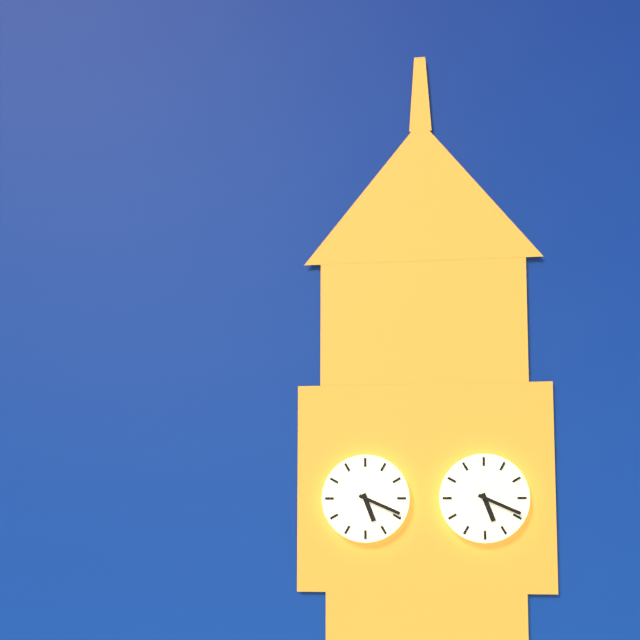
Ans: 5:19
